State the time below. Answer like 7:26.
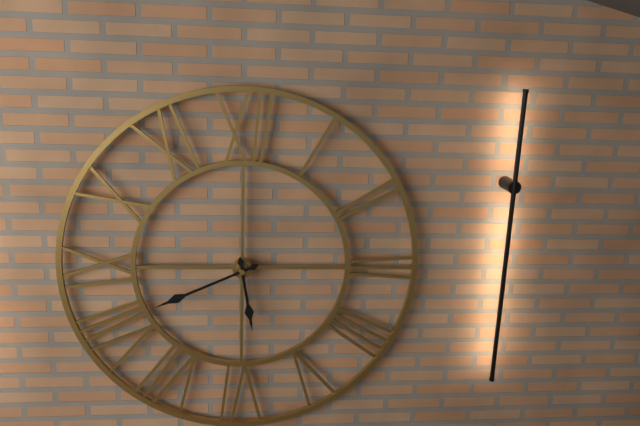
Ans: 5:41
